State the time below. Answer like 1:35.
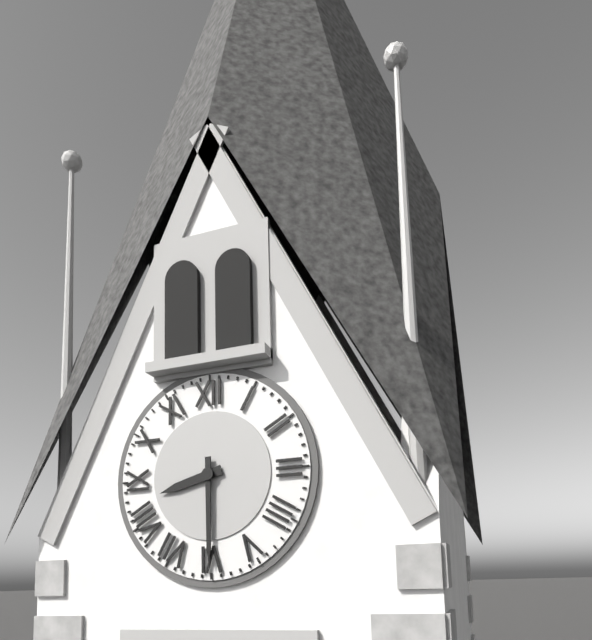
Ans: 8:30
